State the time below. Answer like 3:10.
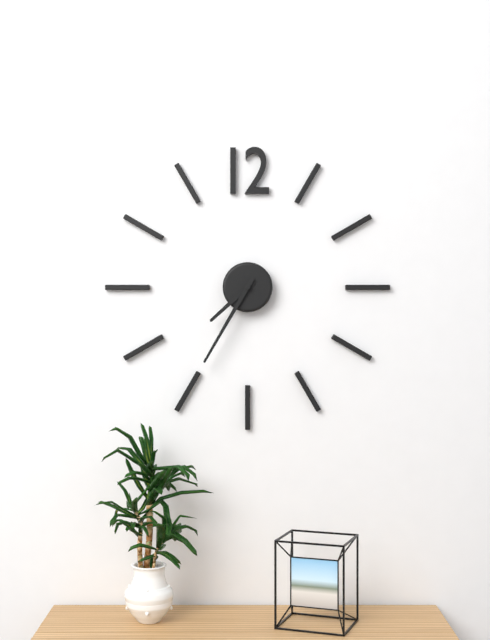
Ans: 7:35
